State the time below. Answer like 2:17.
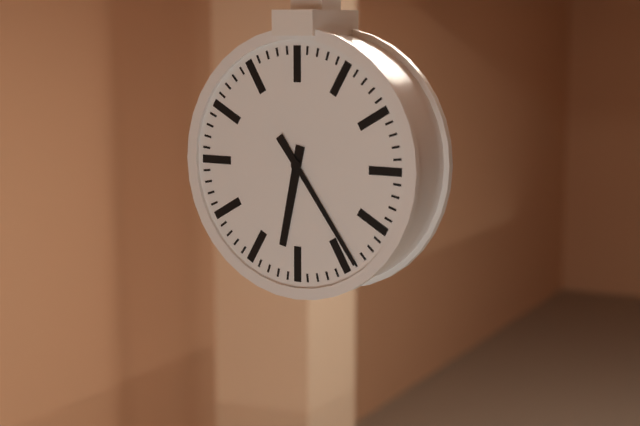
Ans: 6:24
